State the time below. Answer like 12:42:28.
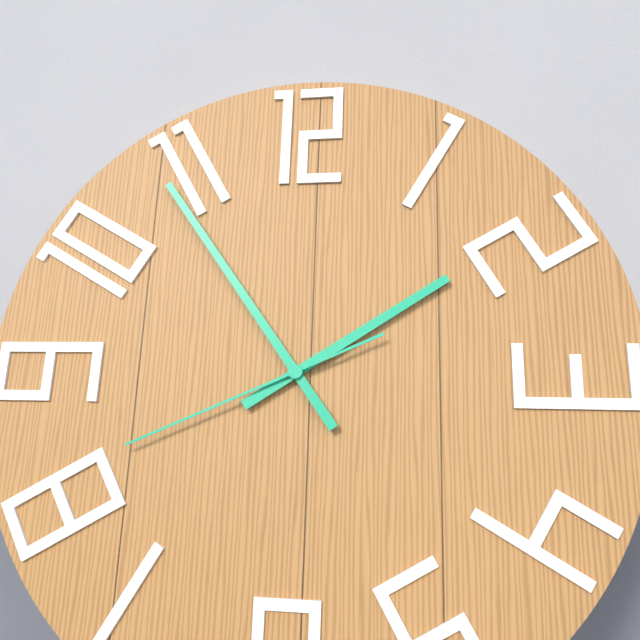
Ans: 1:54:41
